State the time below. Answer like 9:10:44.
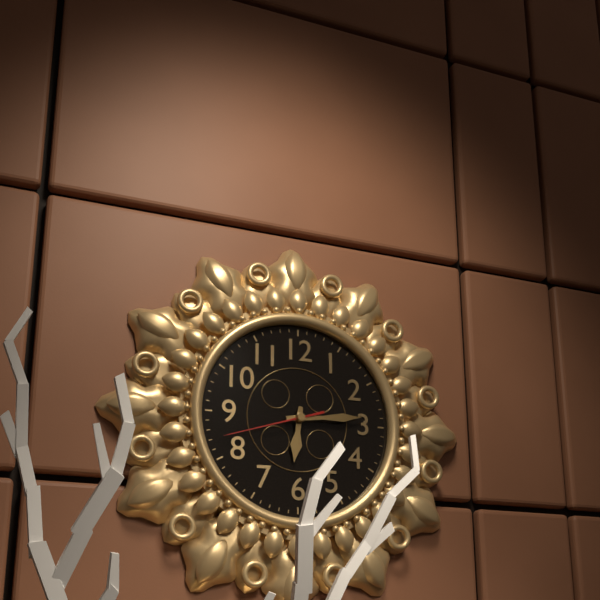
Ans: 6:14:42
